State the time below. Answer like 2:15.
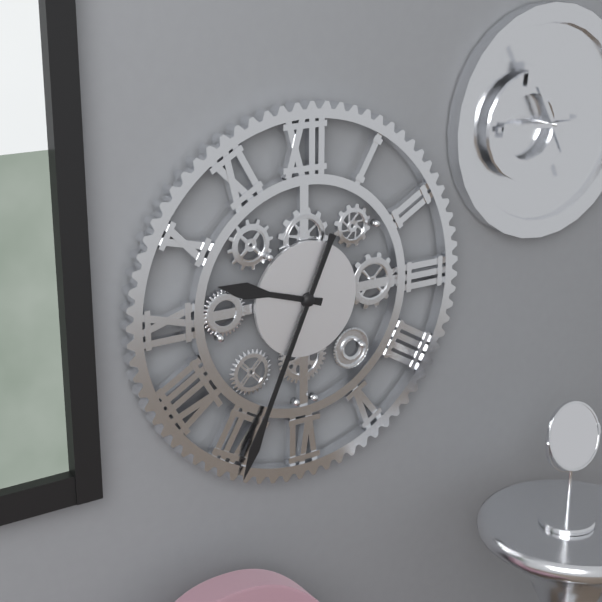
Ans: 9:34
